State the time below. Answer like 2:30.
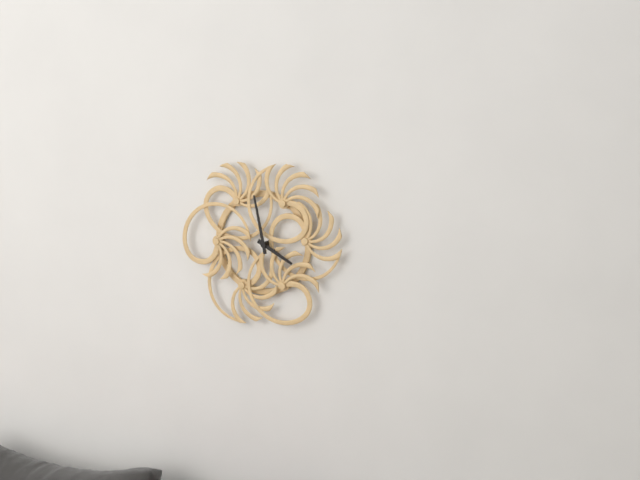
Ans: 3:58
